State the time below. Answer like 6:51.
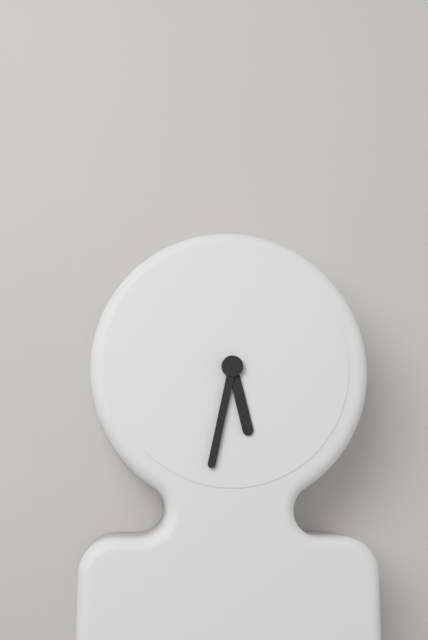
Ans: 5:32
